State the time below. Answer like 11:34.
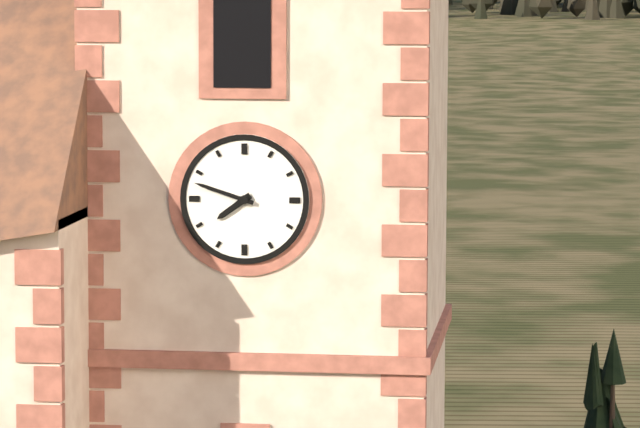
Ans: 7:48
